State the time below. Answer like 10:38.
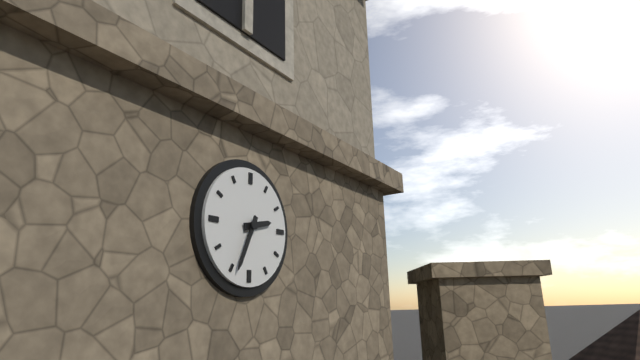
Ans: 2:34
